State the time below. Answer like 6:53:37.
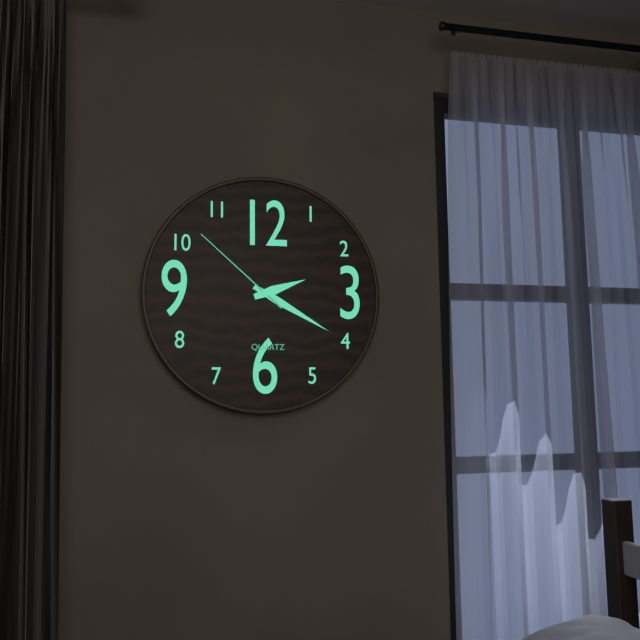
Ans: 2:20:52
